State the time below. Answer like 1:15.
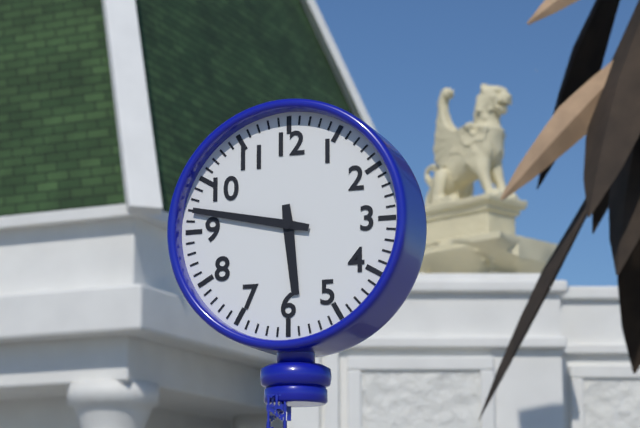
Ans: 5:47
